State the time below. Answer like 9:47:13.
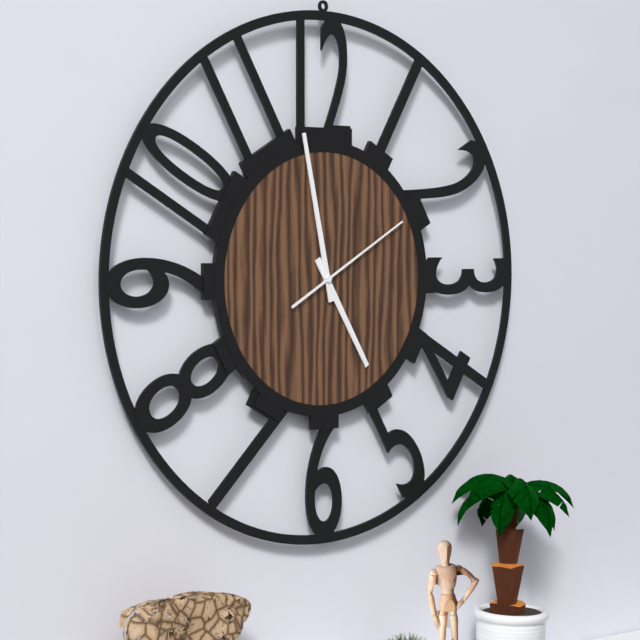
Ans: 4:58:10
